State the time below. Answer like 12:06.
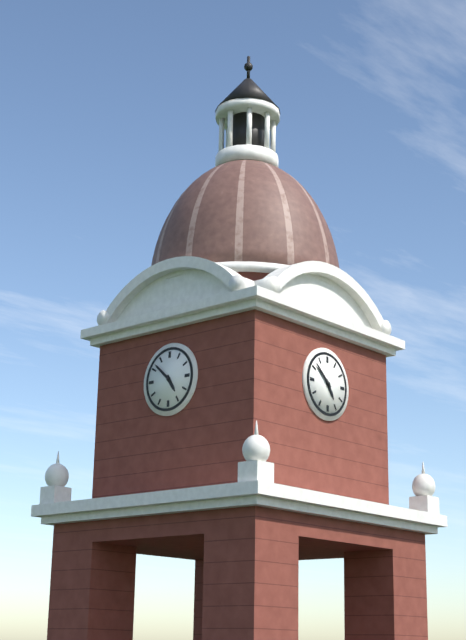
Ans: 4:52
